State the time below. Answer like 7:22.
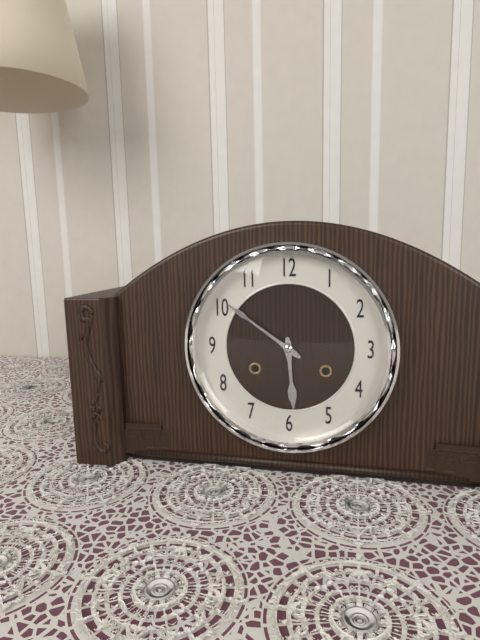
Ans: 5:51
